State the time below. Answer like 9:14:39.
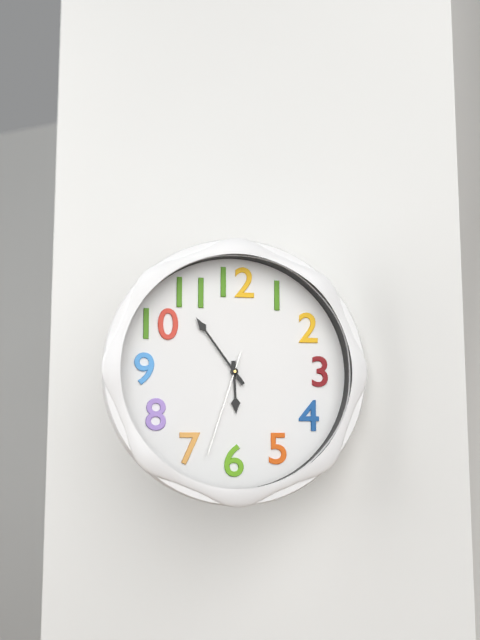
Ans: 5:54:33
